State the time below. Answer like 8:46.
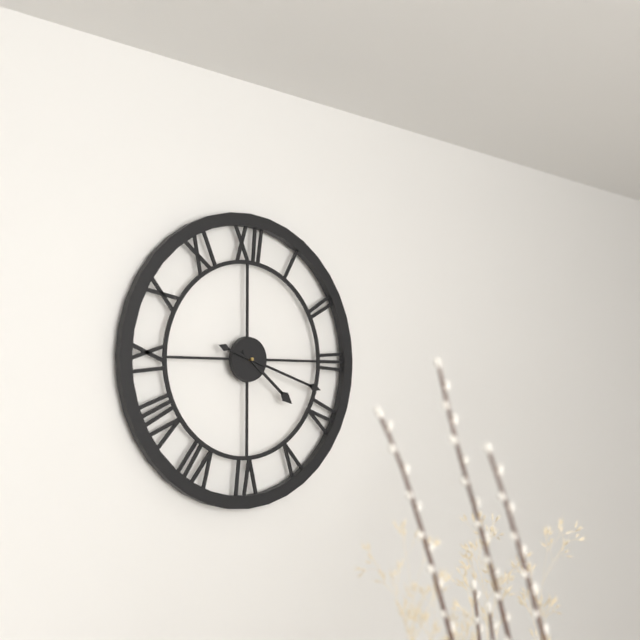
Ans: 4:18
